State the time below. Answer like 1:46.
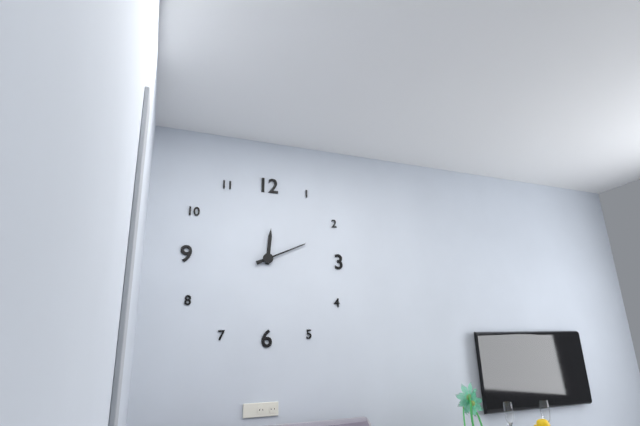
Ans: 12:11
